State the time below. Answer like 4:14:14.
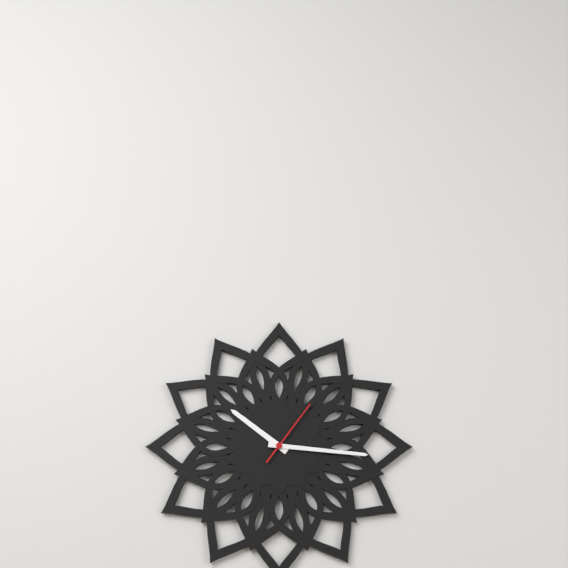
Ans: 10:16:06
